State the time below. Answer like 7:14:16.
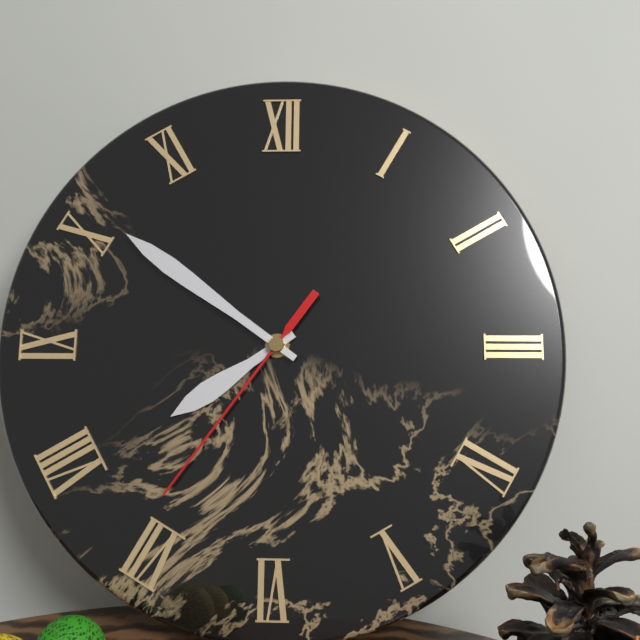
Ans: 7:51:36
